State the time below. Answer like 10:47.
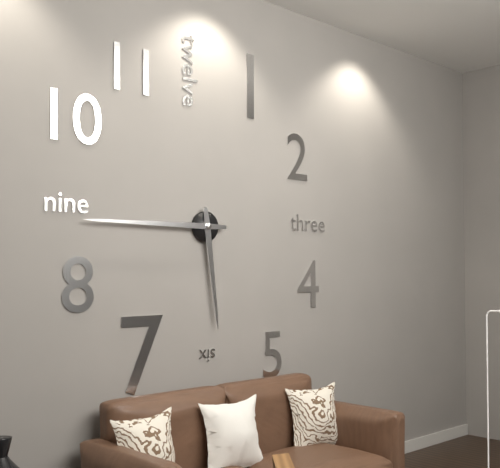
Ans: 5:45
